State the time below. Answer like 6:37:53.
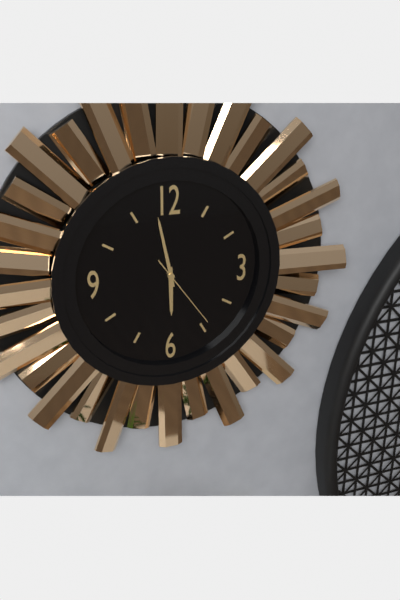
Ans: 5:58:24
